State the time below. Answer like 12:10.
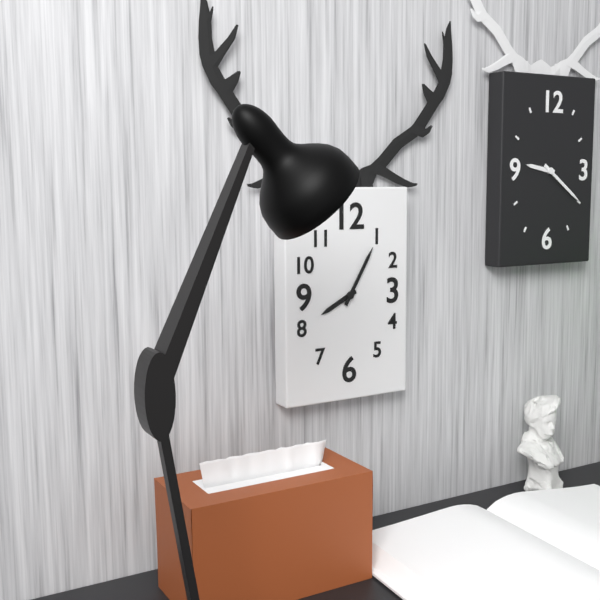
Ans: 8:05
